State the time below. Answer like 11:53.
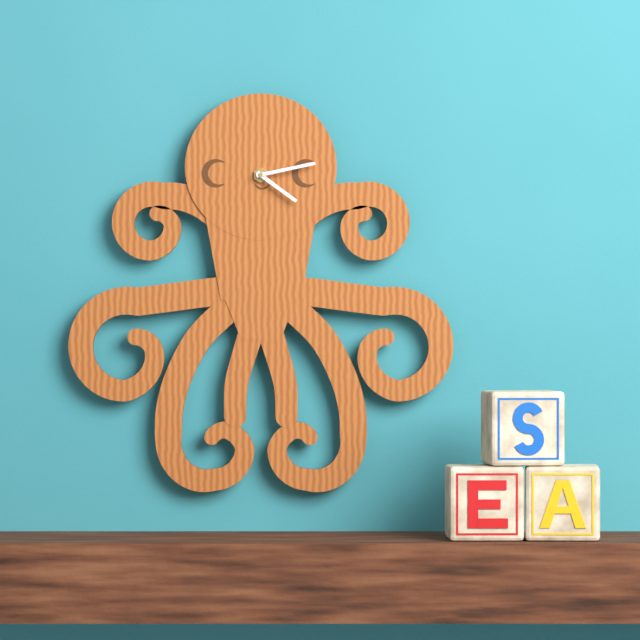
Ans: 4:13
